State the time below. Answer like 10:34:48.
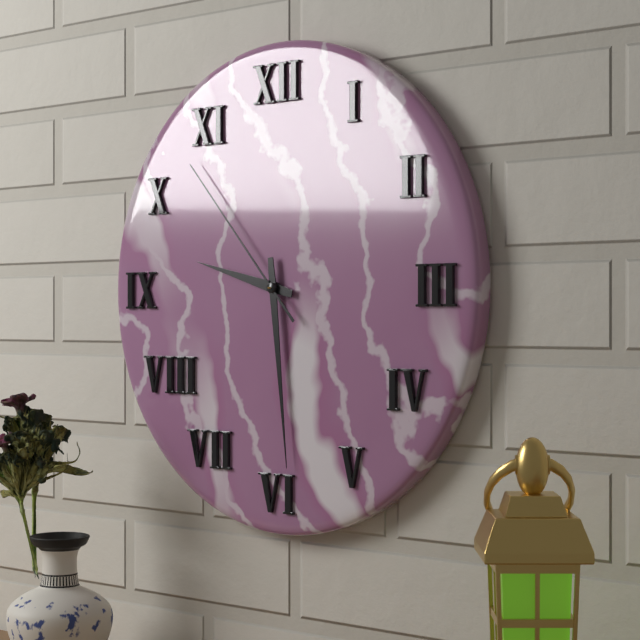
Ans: 9:29:53
